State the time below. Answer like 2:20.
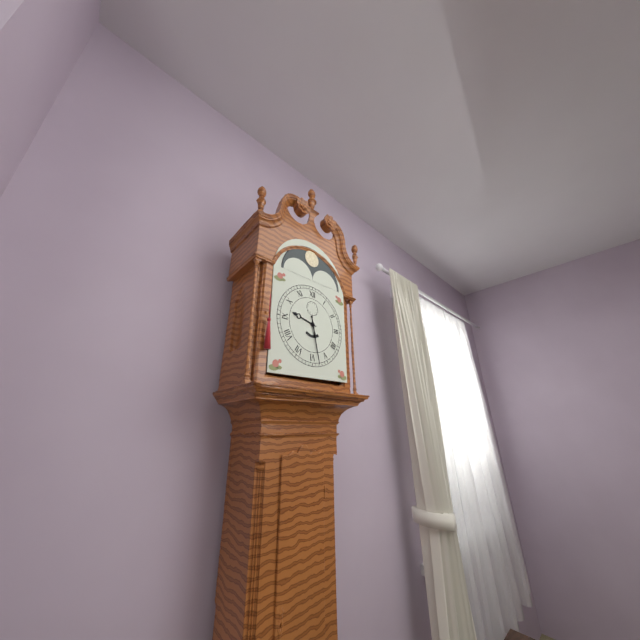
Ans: 9:28
